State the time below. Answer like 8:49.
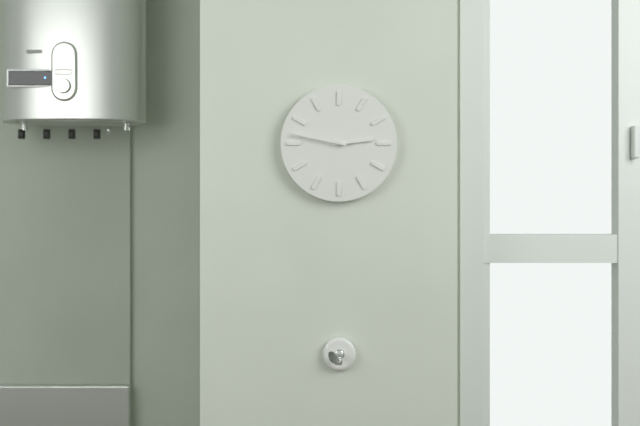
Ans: 2:47
